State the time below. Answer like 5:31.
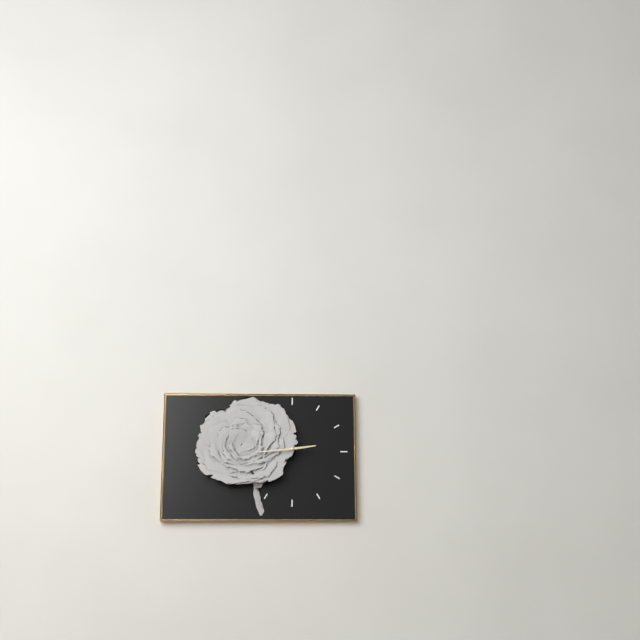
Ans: 2:44
